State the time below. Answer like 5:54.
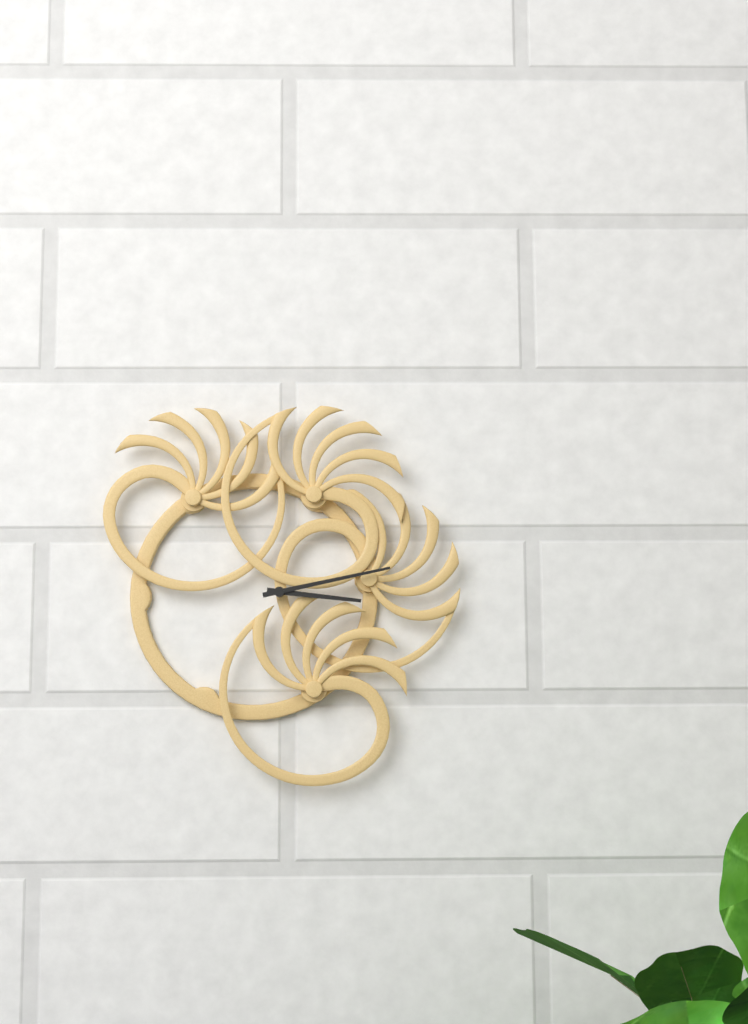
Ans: 3:13
